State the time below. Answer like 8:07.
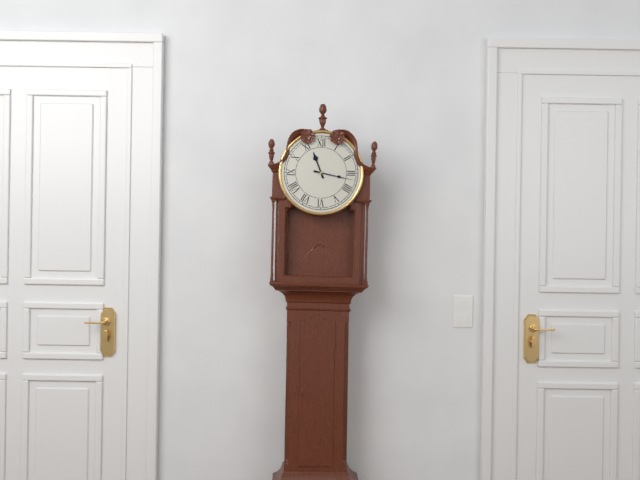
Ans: 11:17
